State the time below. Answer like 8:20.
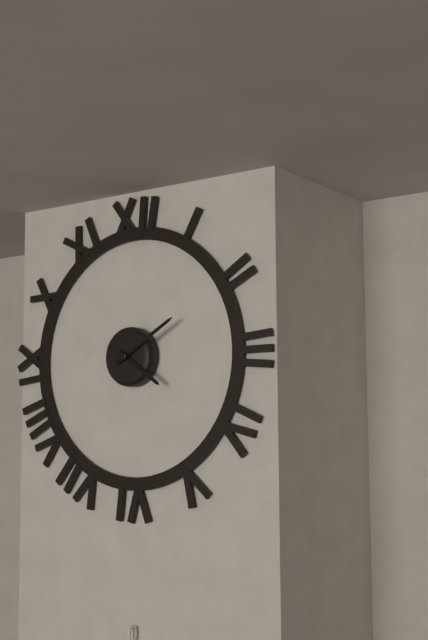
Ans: 4:10
